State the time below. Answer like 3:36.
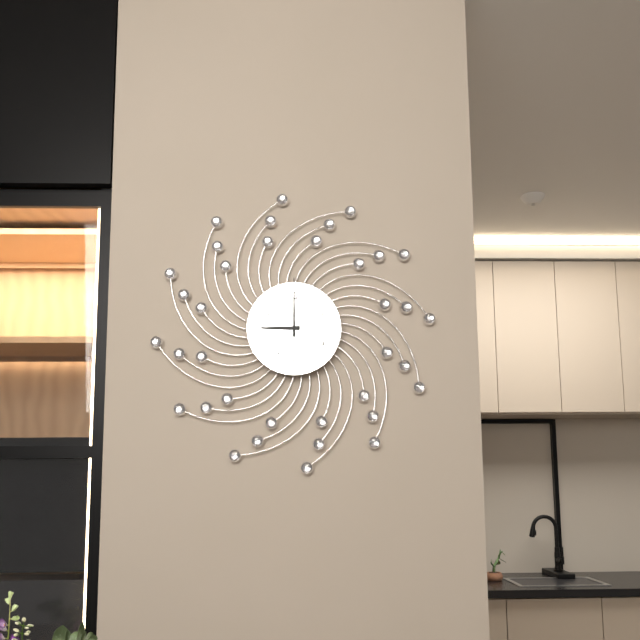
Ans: 9:00
